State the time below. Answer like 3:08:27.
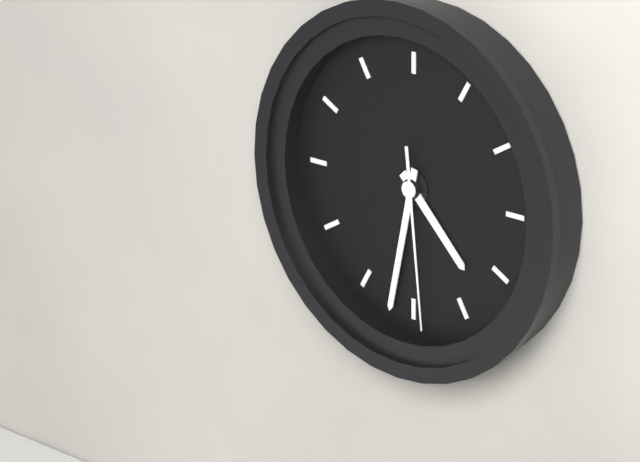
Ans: 4:32:29
